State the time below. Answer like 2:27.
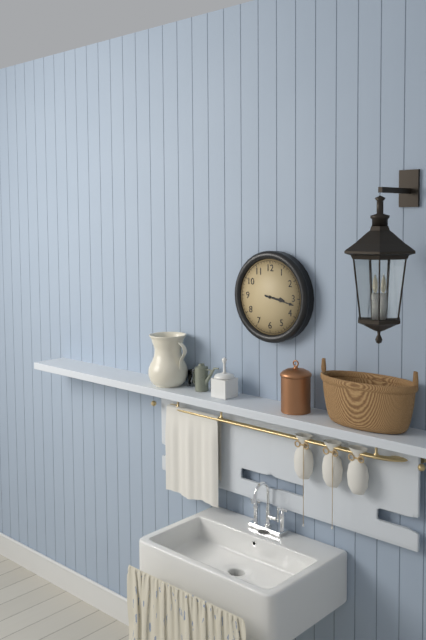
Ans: 3:17
